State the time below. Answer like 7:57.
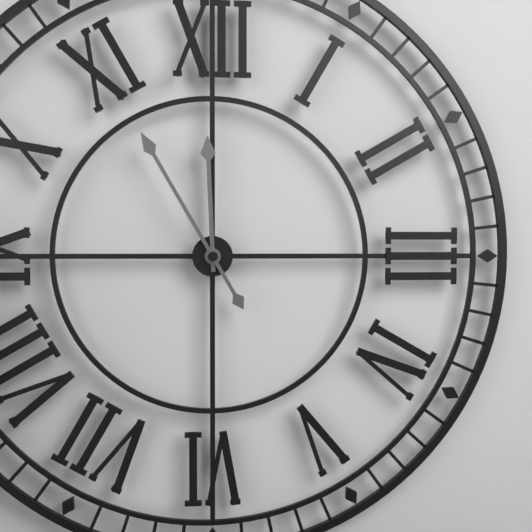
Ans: 11:55
